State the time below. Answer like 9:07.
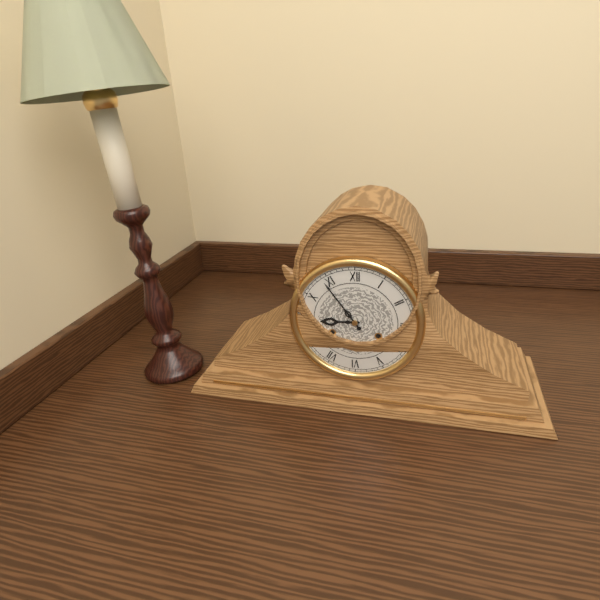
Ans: 8:54
